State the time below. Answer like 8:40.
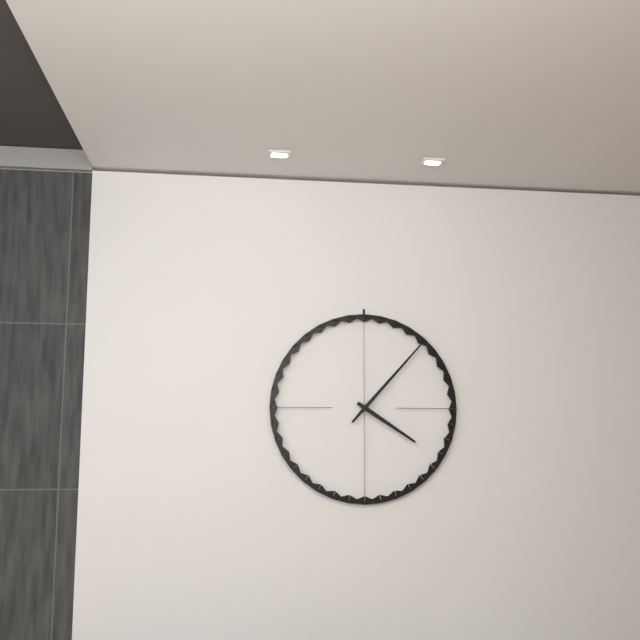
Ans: 4:07
